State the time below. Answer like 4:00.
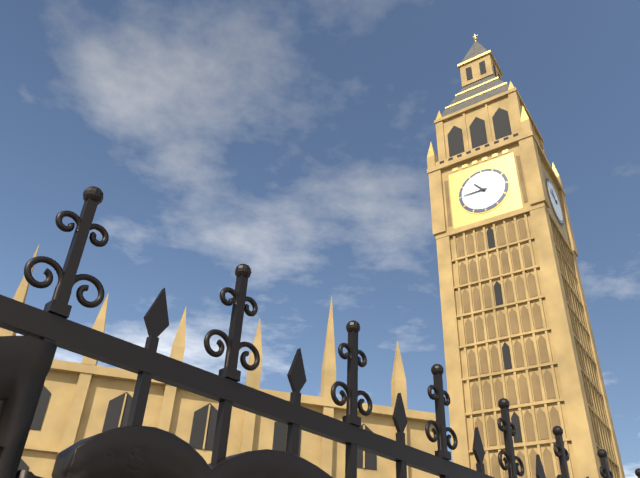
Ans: 10:45
